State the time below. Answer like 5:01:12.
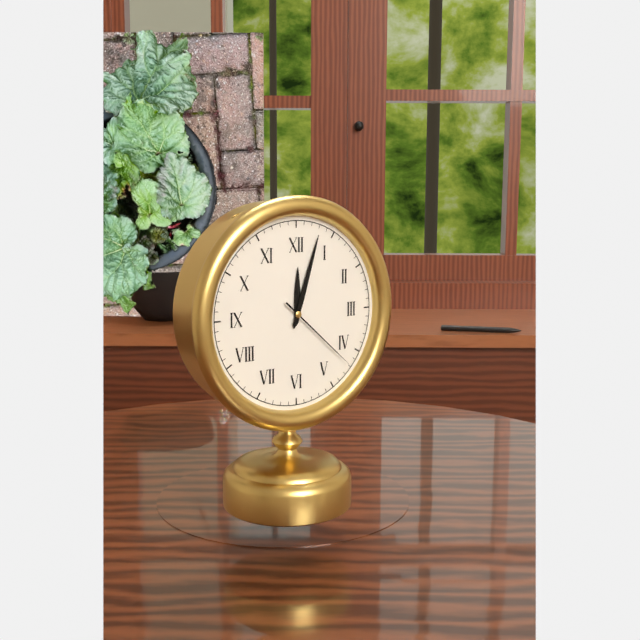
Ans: 12:03:22
